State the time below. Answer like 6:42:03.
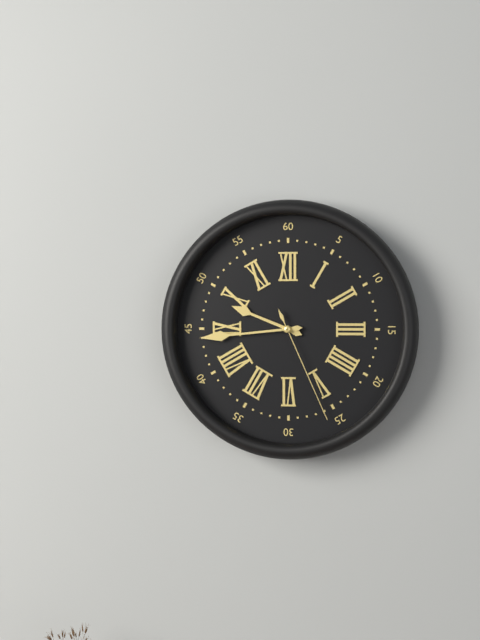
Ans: 9:44:26
